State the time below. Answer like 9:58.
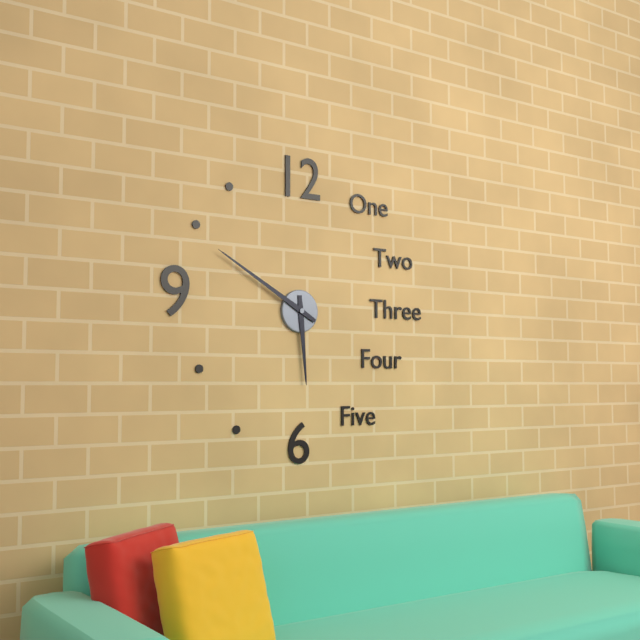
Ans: 5:50
